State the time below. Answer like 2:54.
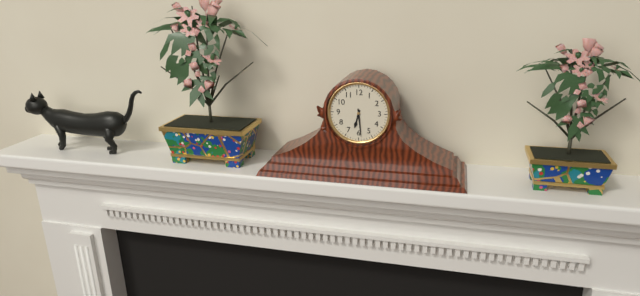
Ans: 6:29
